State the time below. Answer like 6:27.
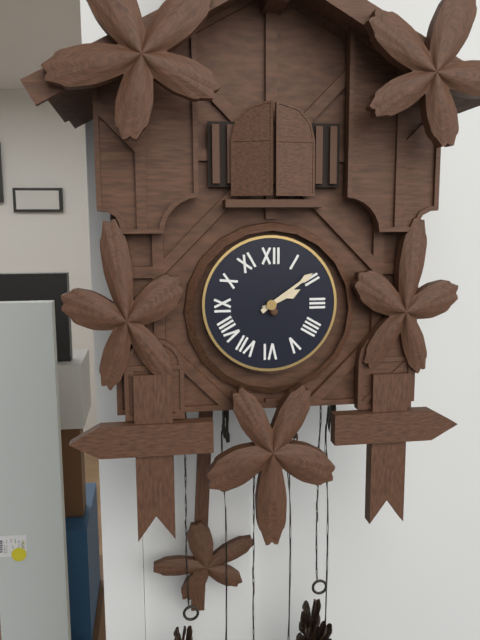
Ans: 2:09
